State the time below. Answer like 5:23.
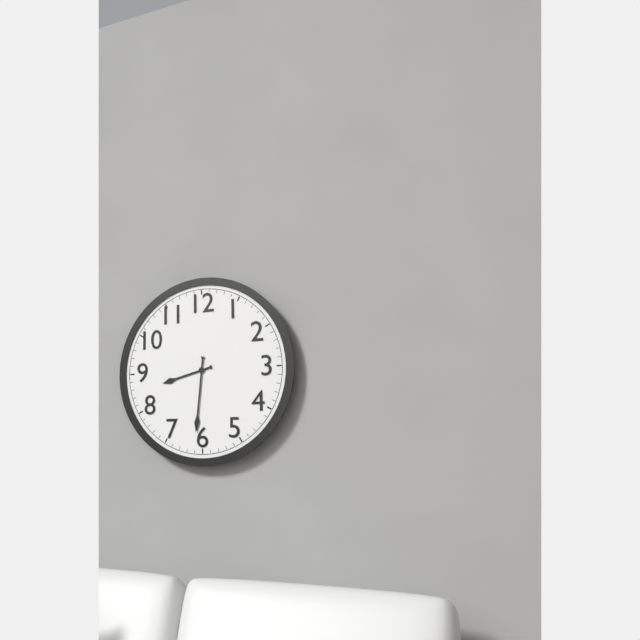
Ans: 8:31
